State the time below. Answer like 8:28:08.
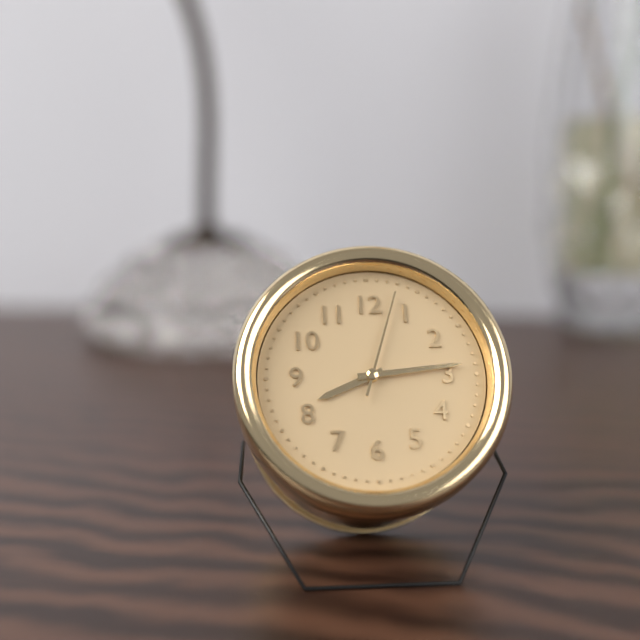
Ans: 8:14:03
